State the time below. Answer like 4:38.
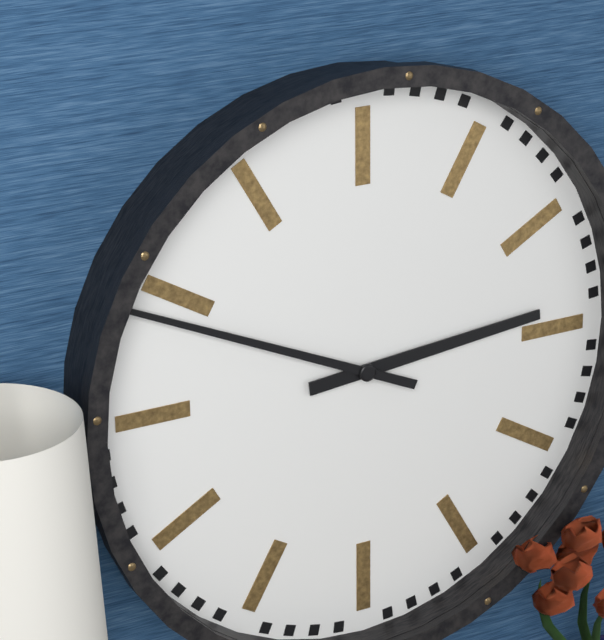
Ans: 2:49
